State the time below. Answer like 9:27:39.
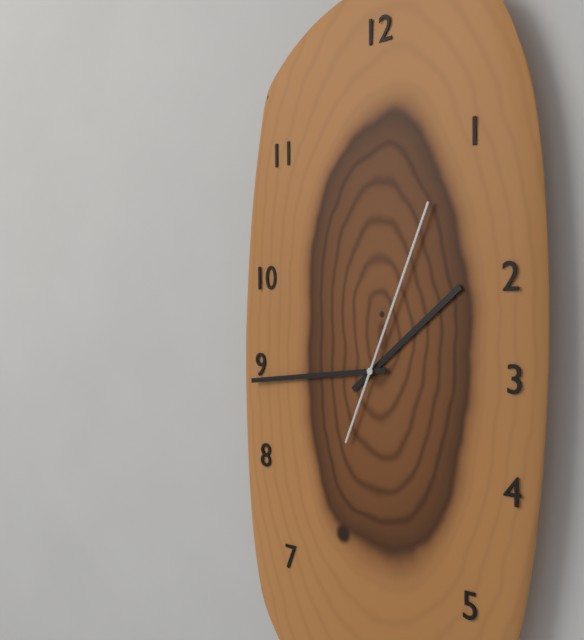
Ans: 1:44:04
